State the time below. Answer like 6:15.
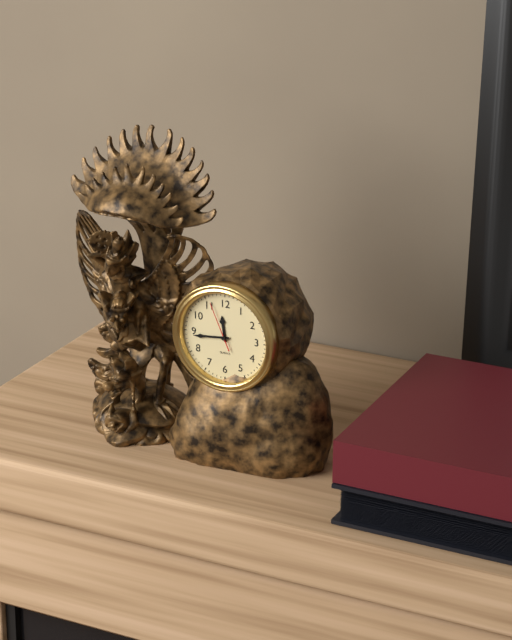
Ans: 11:44
